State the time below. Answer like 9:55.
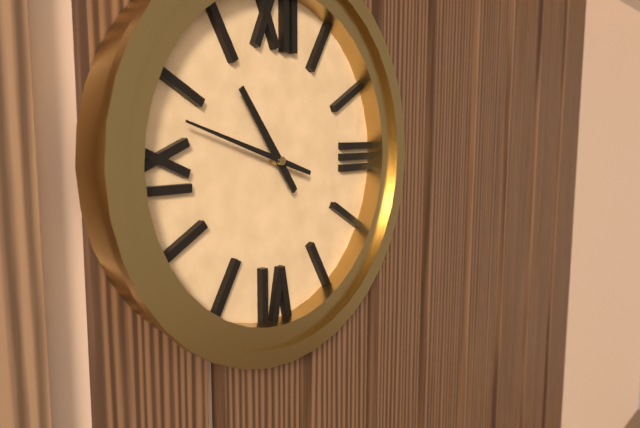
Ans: 10:48
